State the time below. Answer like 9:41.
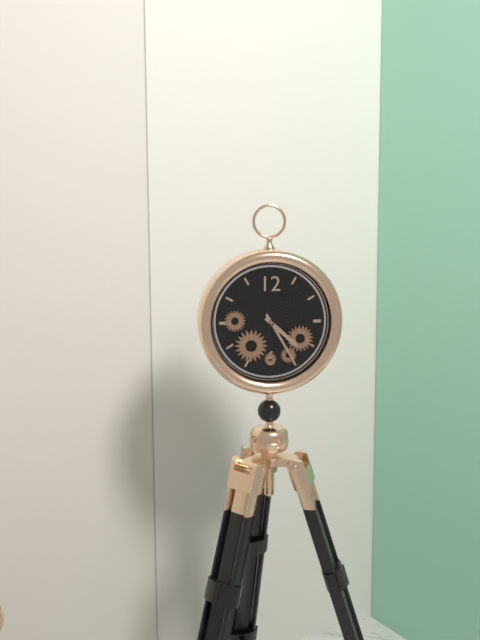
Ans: 4:25
